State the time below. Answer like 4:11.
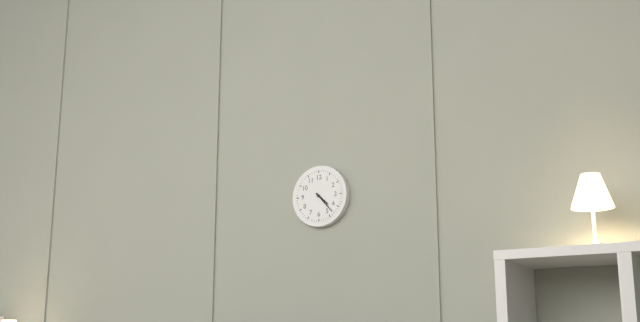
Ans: 4:23
